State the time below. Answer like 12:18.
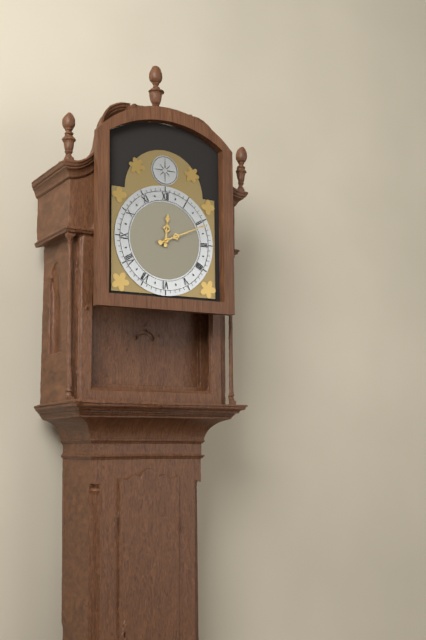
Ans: 12:11
